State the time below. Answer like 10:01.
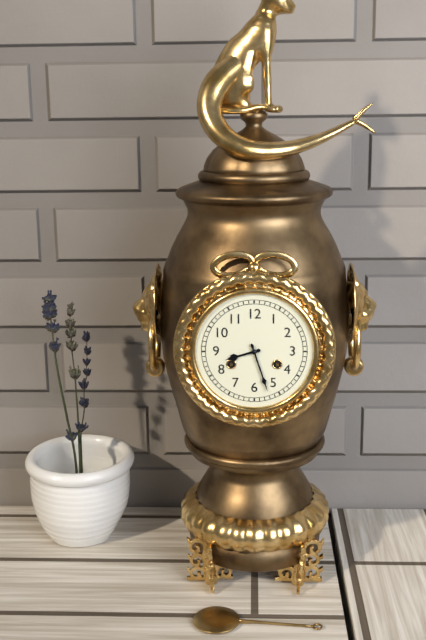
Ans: 8:27
